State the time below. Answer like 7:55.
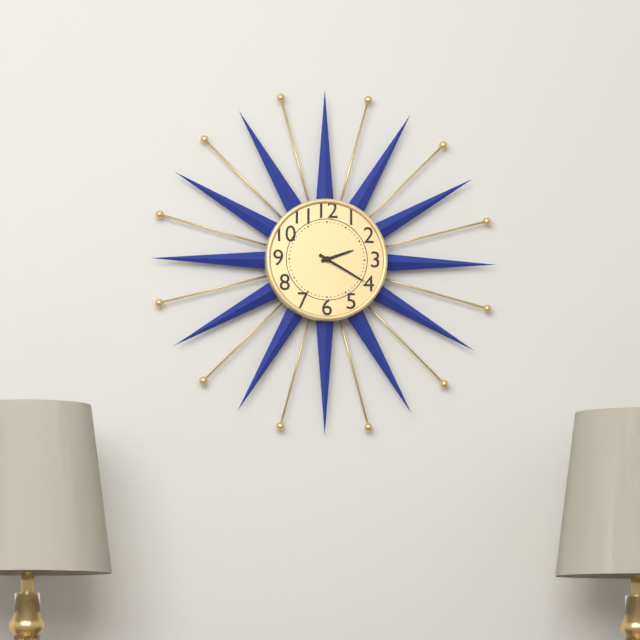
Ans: 2:20
